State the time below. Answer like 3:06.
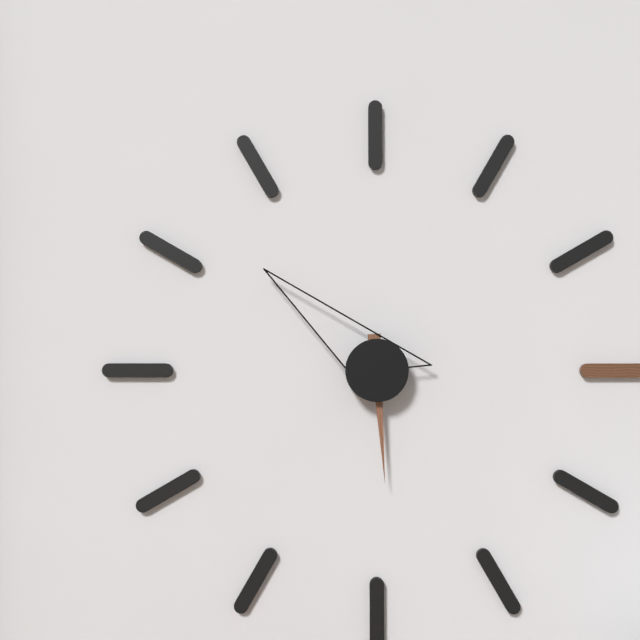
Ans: 5:52
